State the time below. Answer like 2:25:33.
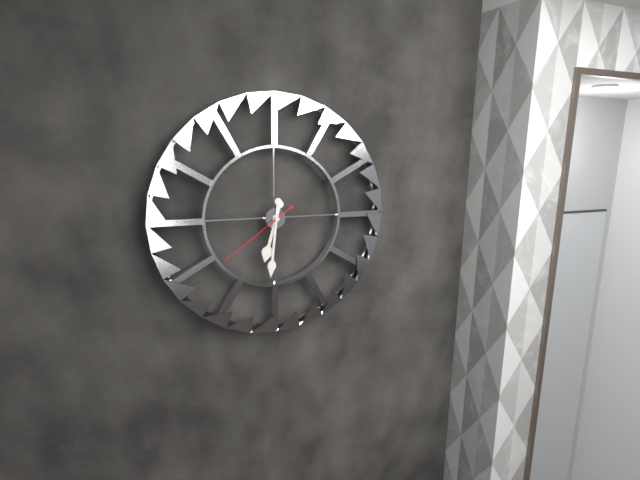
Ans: 6:31:39
